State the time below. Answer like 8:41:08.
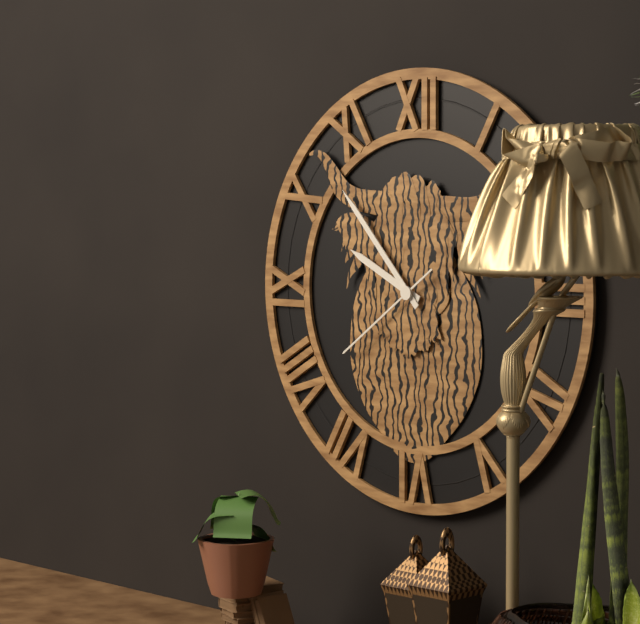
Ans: 9:53:39
